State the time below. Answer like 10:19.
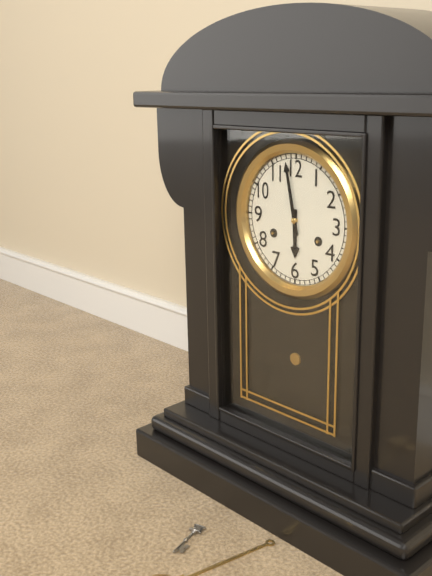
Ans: 5:58
